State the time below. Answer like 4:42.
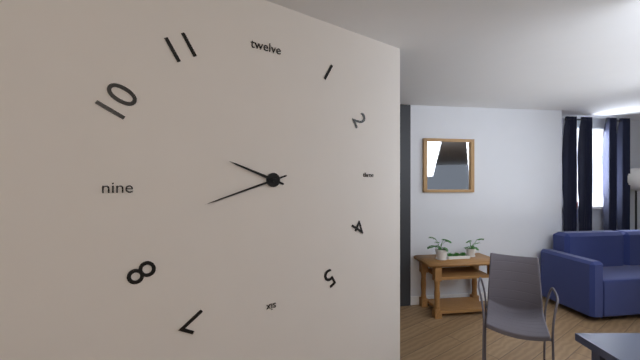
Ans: 9:42
